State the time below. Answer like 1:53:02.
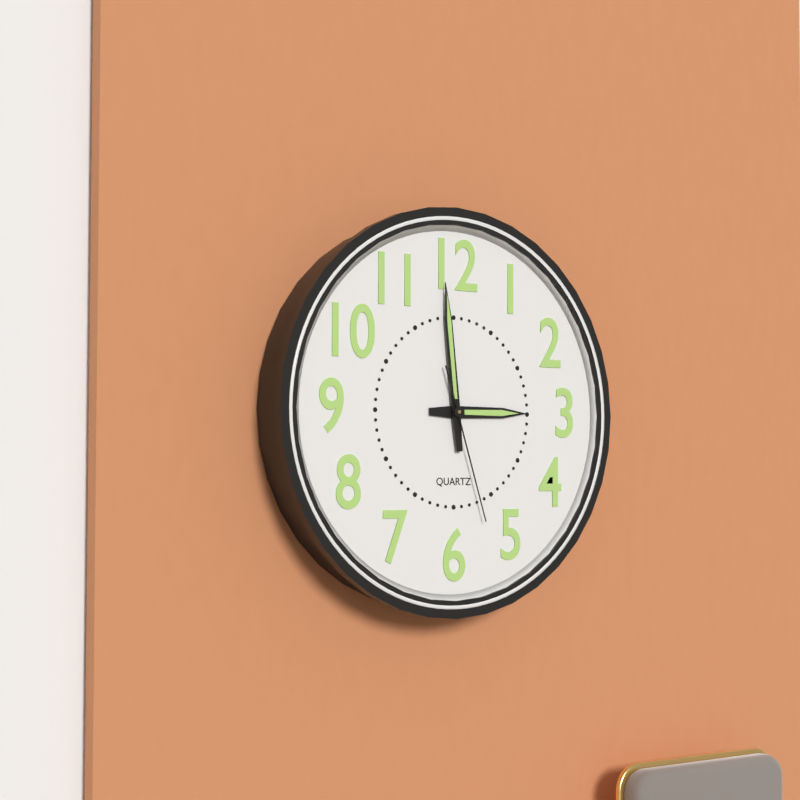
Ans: 2:59:27
